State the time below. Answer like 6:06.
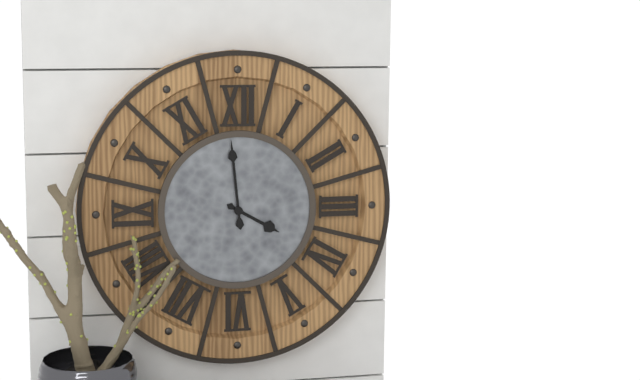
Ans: 3:59
